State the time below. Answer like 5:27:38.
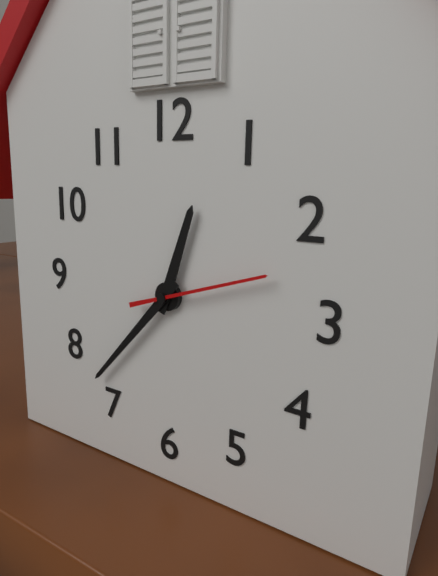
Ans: 12:37:12
